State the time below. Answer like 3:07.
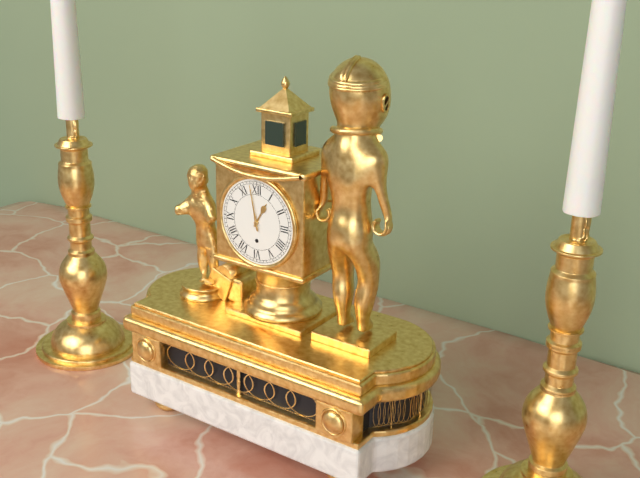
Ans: 12:58
